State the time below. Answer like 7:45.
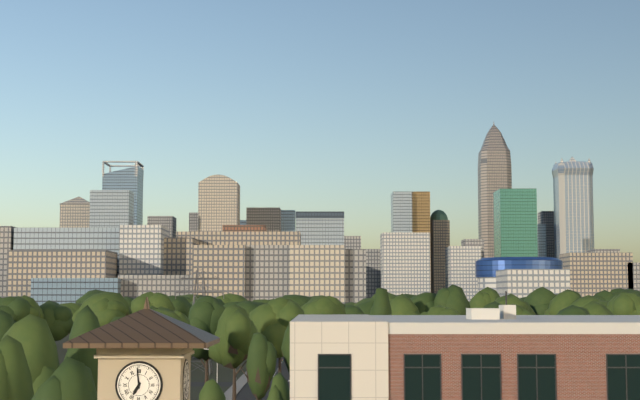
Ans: 6:59
